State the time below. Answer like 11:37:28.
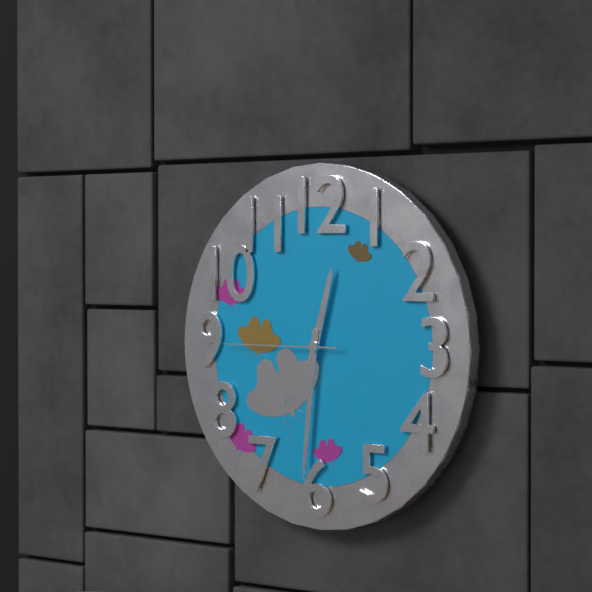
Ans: 12:31:45
